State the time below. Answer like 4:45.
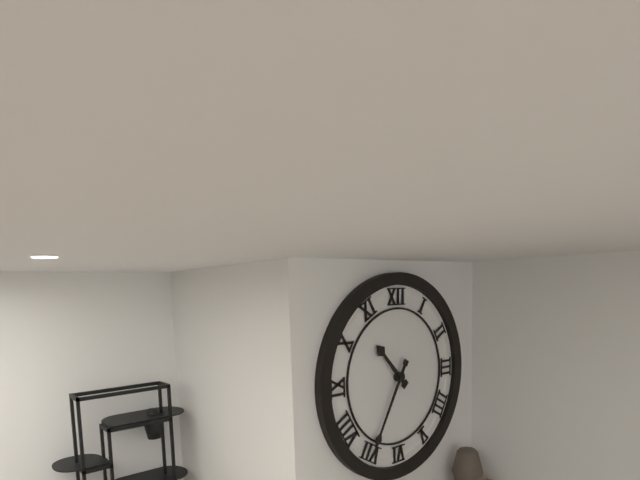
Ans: 10:35
